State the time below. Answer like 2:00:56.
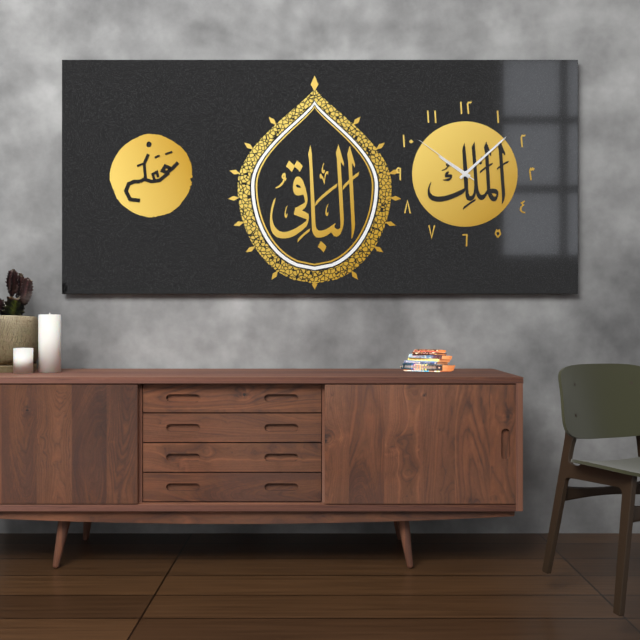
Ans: 10:08:51
